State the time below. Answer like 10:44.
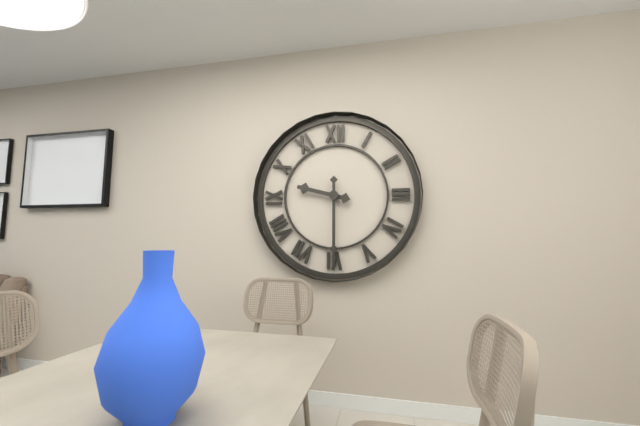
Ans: 9:30
